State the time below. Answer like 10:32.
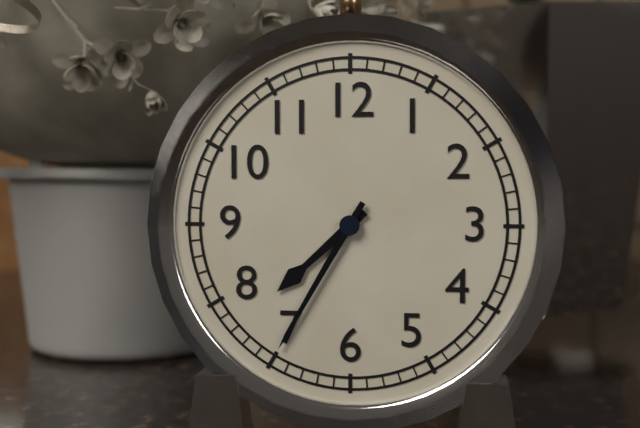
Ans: 7:35
